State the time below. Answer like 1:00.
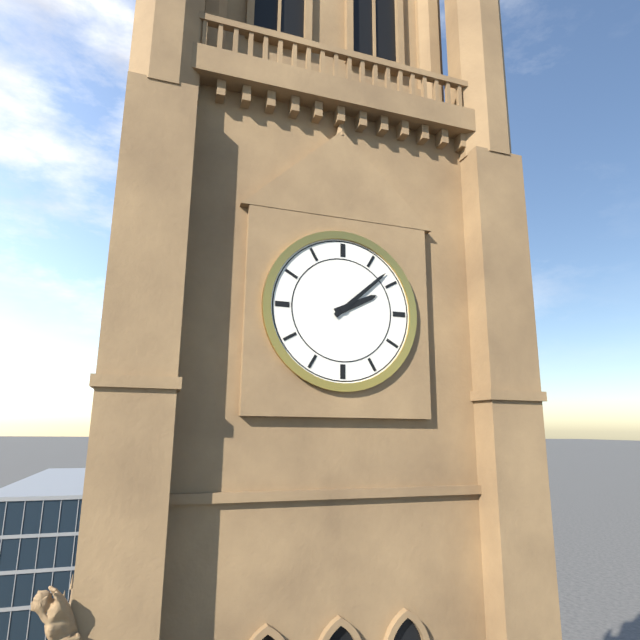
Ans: 2:08
